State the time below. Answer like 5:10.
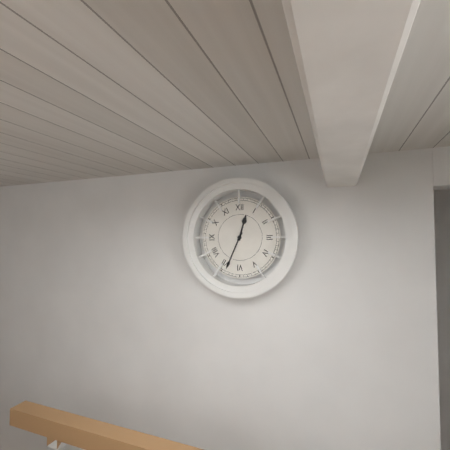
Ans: 12:34
